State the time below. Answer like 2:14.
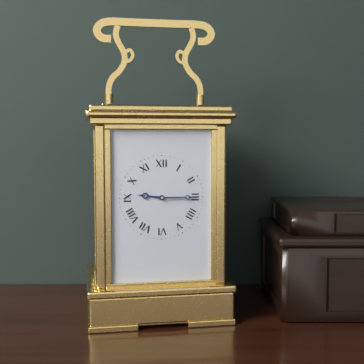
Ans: 9:15
